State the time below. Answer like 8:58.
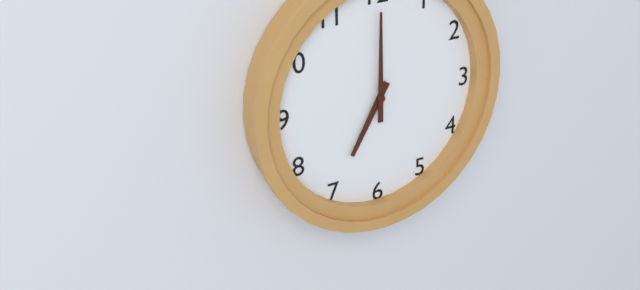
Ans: 7:00
